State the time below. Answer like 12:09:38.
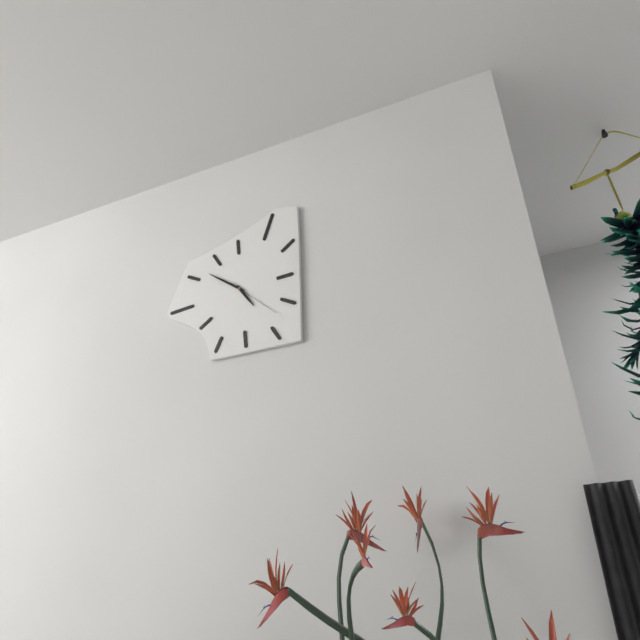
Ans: 4:51:22
